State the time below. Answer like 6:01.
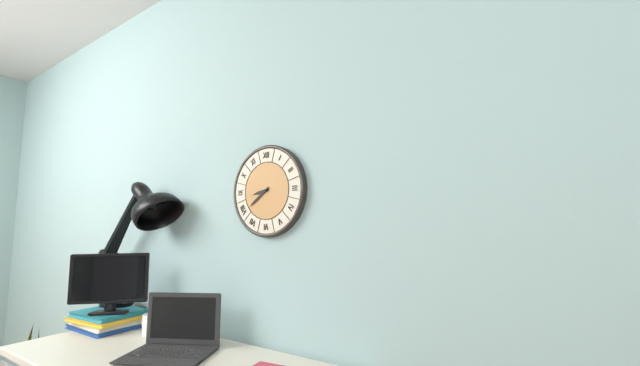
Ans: 8:39
